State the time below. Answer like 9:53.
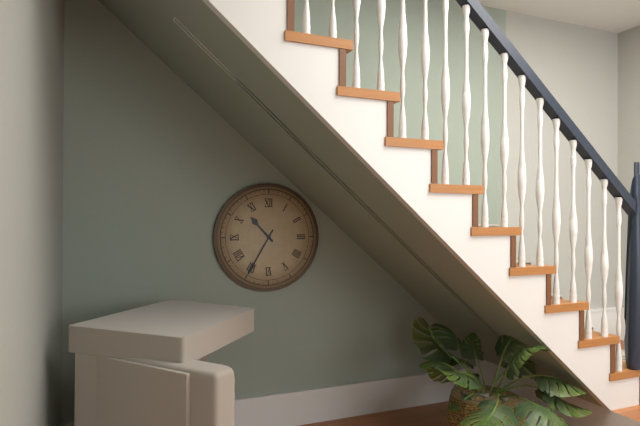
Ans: 10:35
